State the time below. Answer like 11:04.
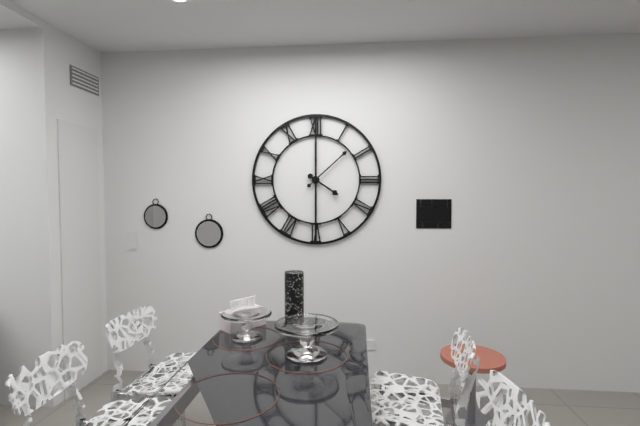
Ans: 4:08
